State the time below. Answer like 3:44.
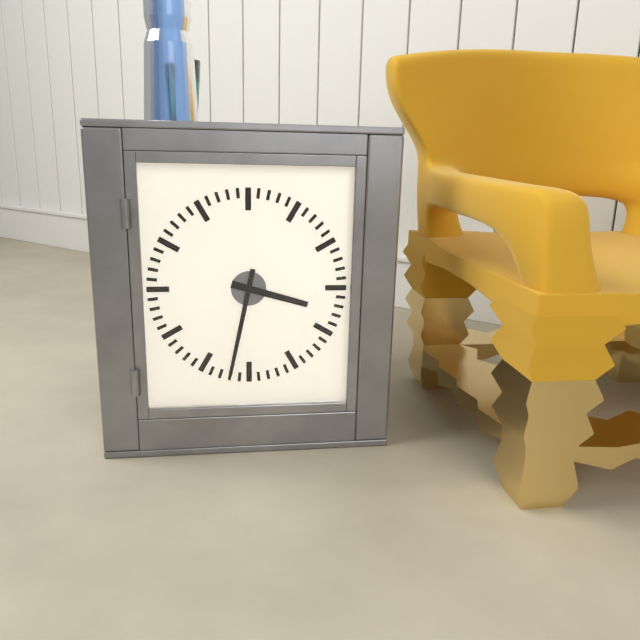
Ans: 3:32
